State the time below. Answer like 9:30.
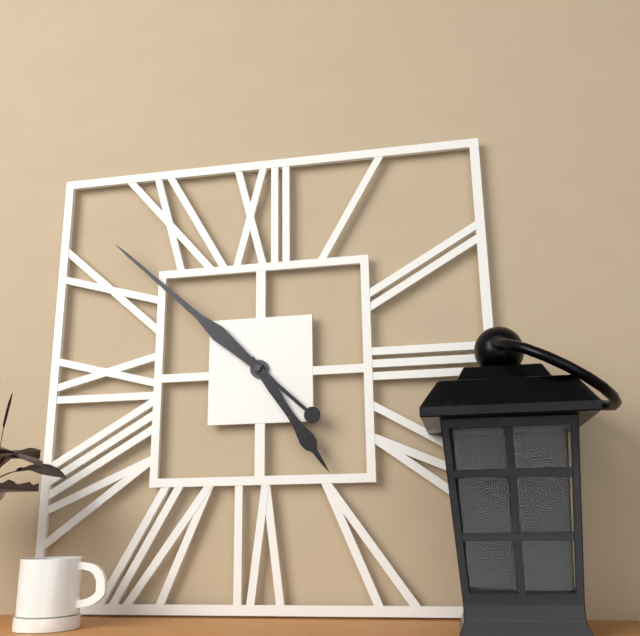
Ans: 4:52
